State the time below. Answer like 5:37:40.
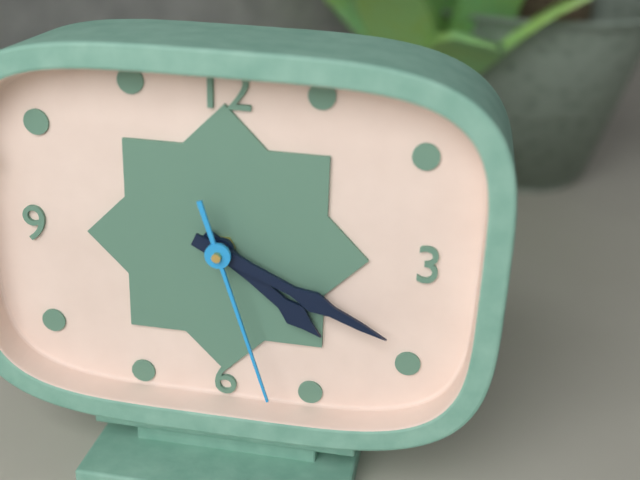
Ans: 4:19:27
